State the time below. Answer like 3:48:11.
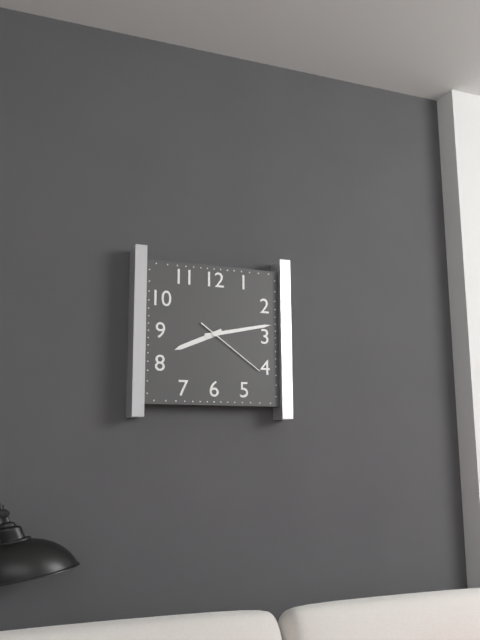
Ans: 8:13:21
